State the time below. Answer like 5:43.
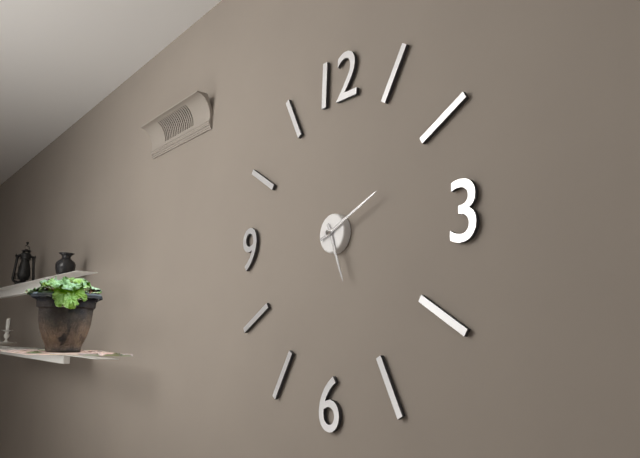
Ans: 5:11
